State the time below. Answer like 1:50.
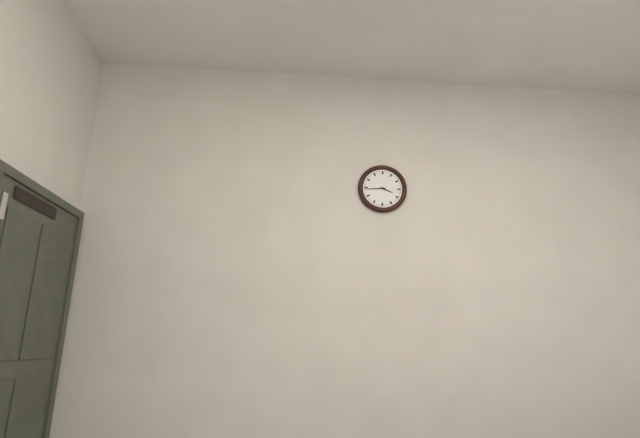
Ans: 3:44
